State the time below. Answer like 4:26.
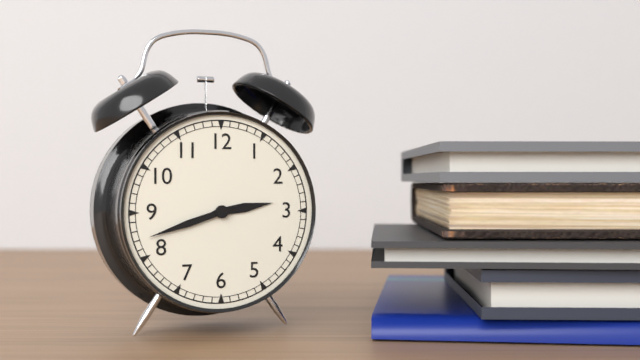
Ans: 2:42
